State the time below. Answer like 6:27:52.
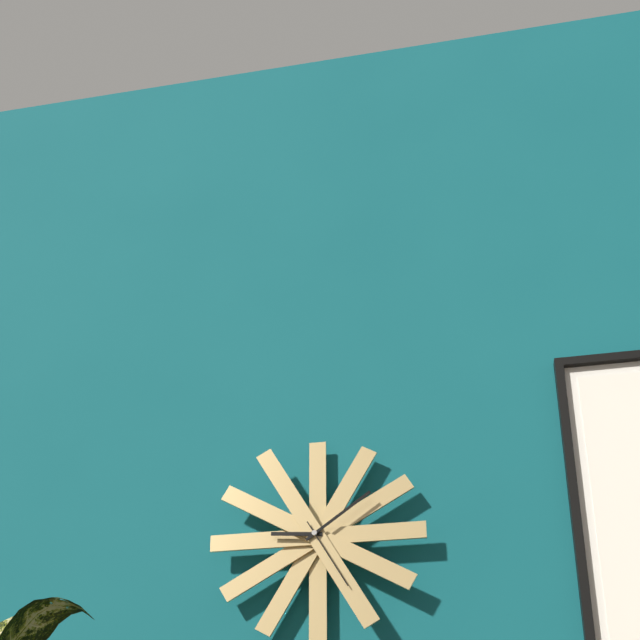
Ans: 9:09:25
